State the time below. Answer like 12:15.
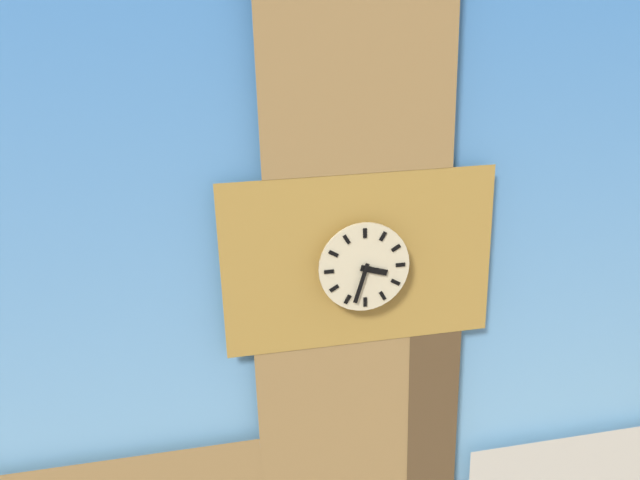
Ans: 3:33
